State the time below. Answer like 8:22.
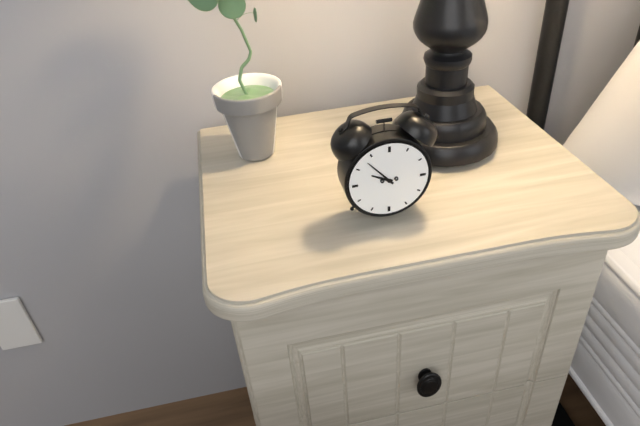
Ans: 9:53
